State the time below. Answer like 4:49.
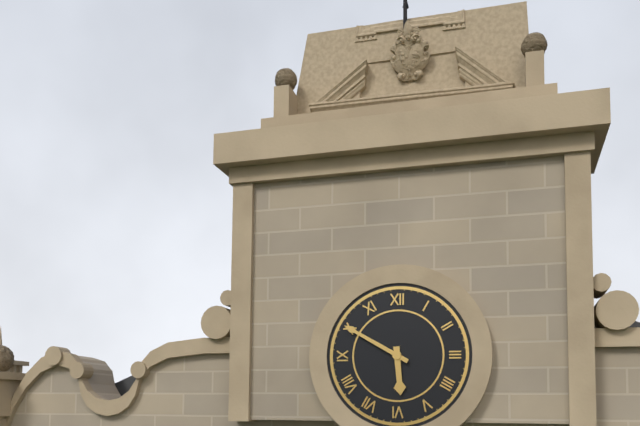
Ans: 5:50
